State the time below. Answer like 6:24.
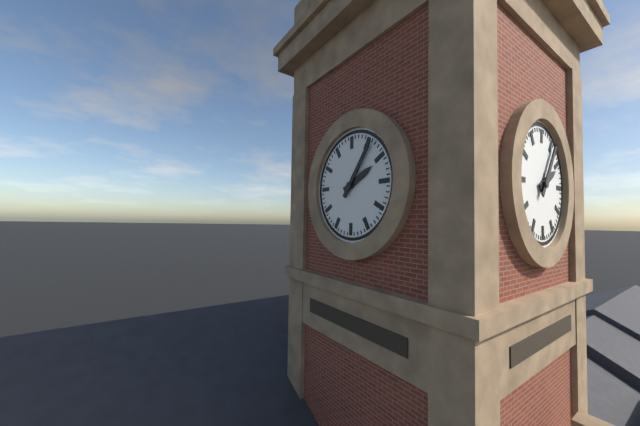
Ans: 2:06
